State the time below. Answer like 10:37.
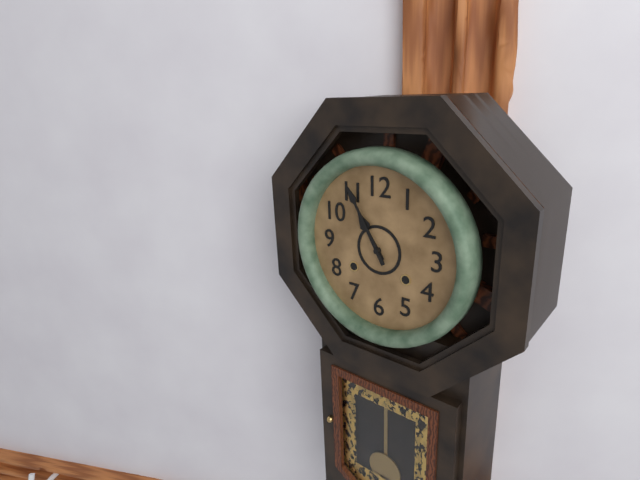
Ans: 10:55
